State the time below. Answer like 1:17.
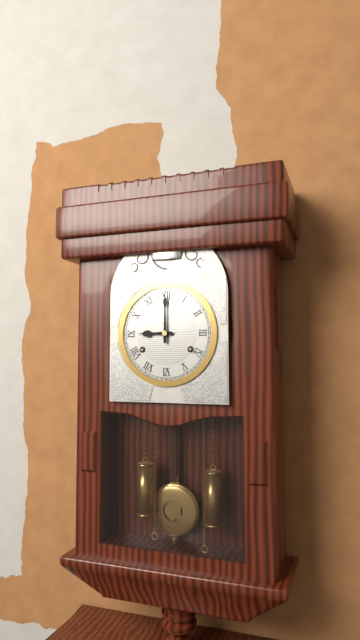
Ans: 9:00
